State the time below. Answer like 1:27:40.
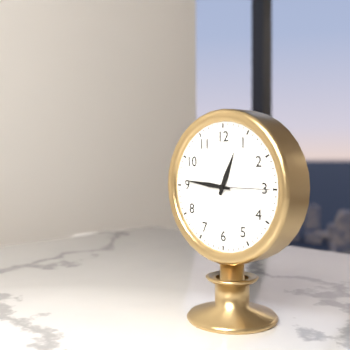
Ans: 12:46:15
